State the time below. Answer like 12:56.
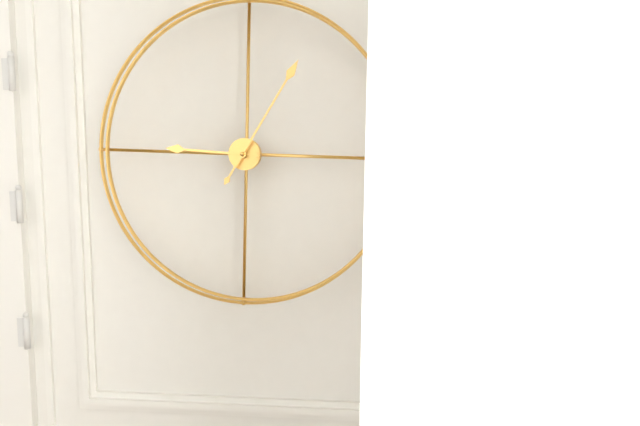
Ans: 9:05
